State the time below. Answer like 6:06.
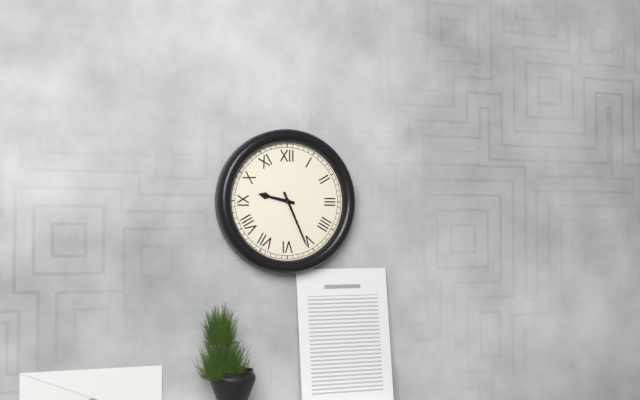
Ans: 9:26
